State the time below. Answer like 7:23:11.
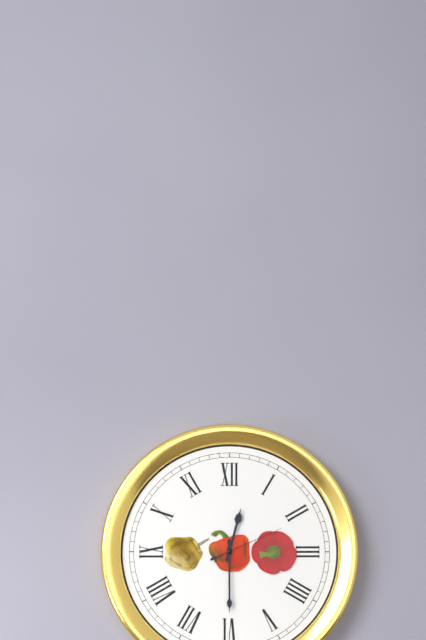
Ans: 12:30:11
